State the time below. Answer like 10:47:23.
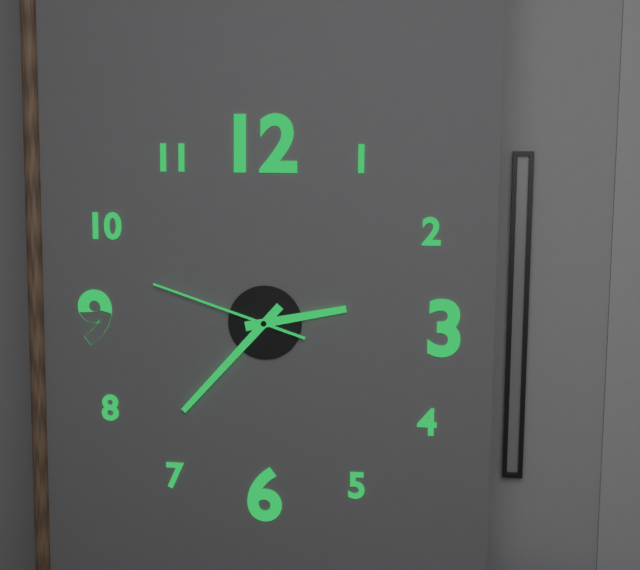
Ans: 2:37:48
